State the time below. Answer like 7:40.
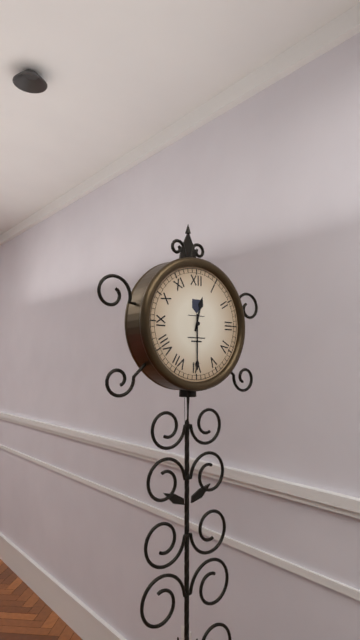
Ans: 12:30
